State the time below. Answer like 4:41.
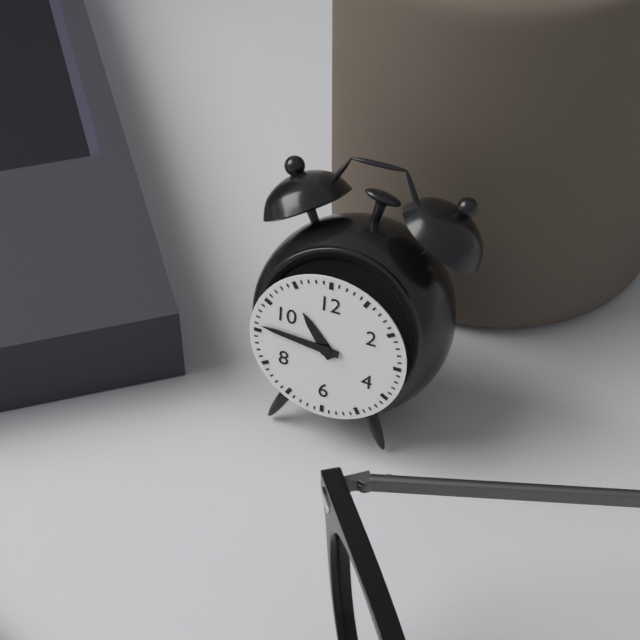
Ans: 10:46
